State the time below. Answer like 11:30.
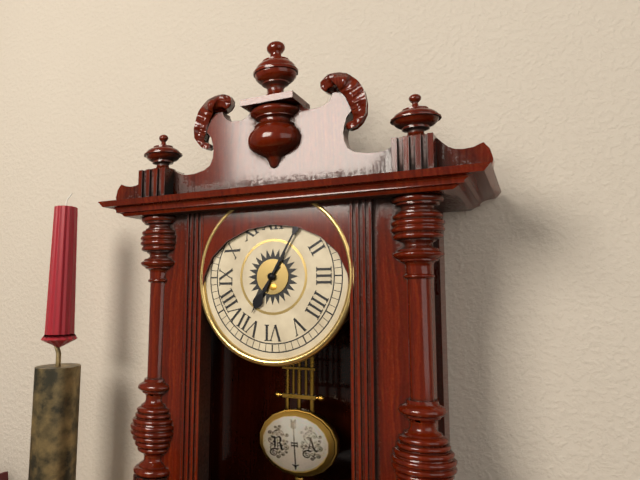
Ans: 7:05
